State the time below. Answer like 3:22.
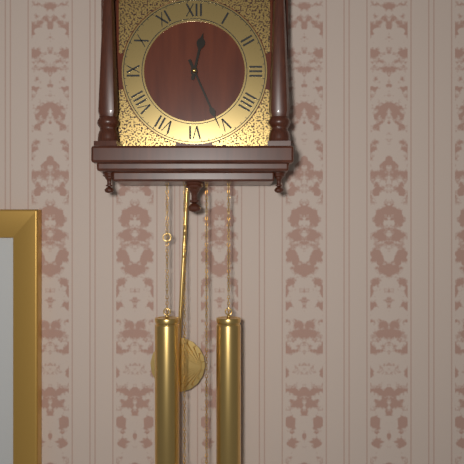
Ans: 12:26
